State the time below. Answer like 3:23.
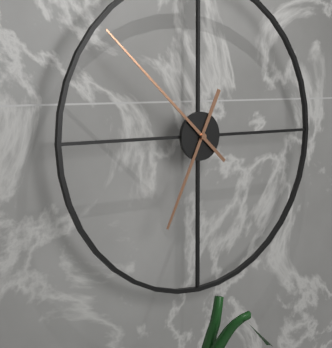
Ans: 6:52
